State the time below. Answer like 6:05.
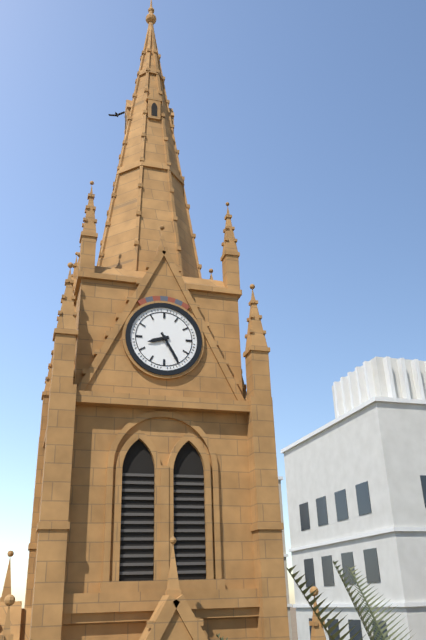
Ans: 8:25
